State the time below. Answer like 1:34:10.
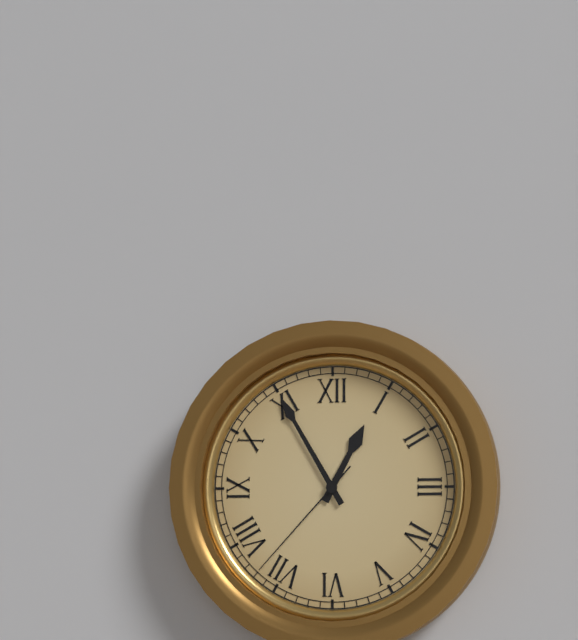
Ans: 12:55:37
